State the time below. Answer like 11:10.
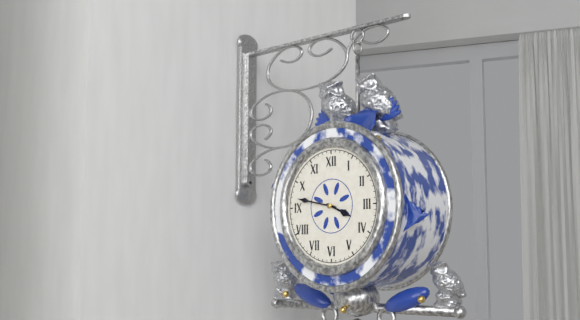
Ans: 3:47
